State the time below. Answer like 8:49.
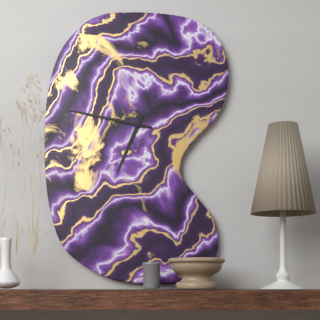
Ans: 6:47
